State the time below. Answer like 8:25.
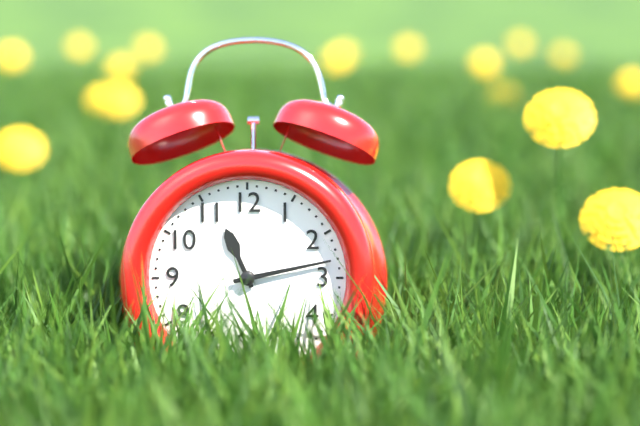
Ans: 11:13
